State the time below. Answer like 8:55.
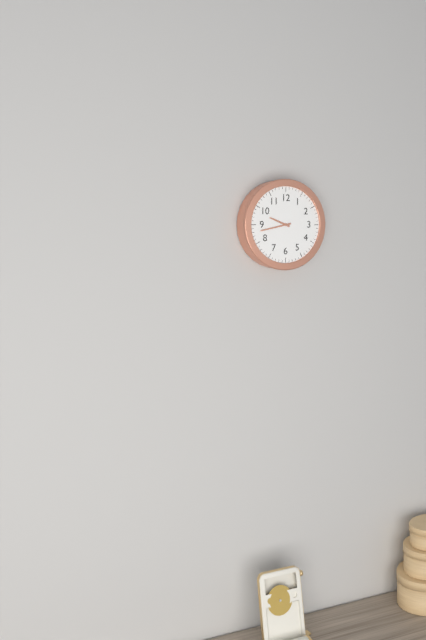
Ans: 9:43
